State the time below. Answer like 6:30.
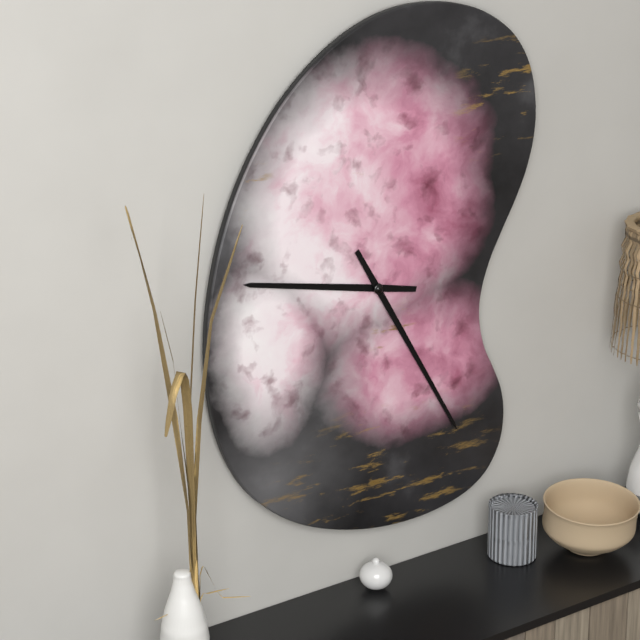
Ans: 9:25
